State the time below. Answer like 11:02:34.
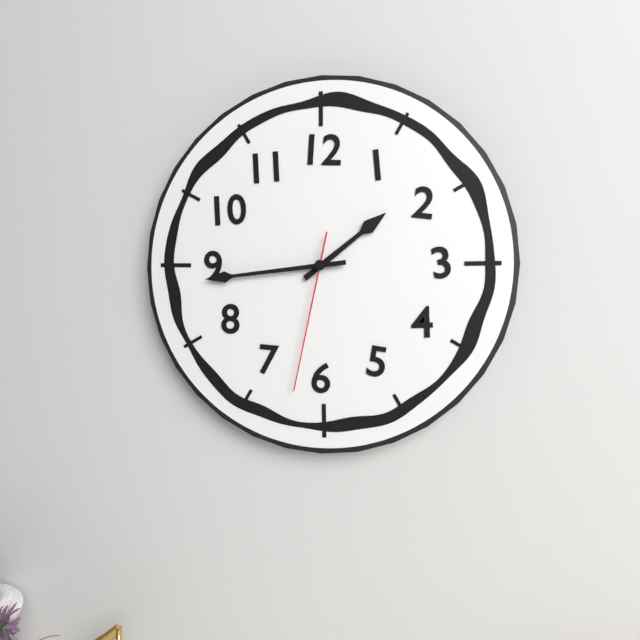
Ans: 1:44:32
